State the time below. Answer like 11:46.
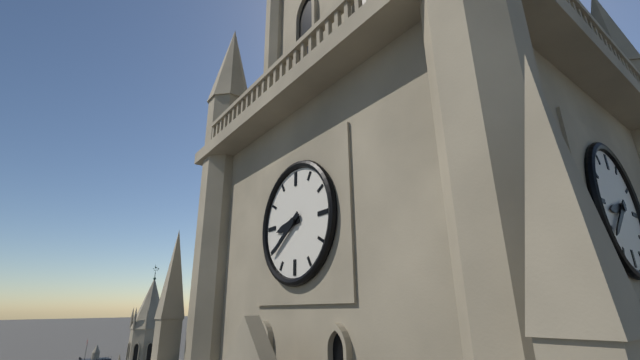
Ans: 8:39
